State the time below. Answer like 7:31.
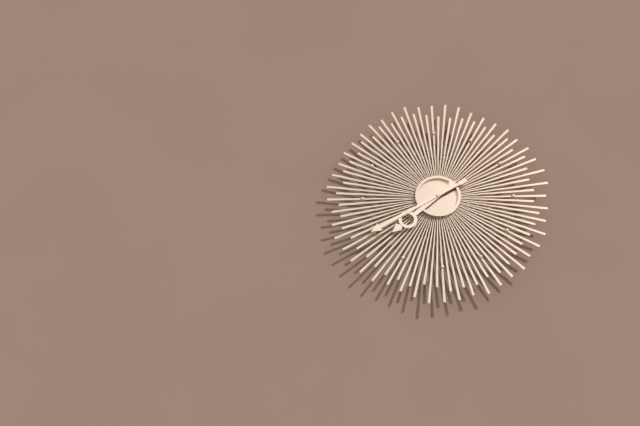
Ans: 7:40
